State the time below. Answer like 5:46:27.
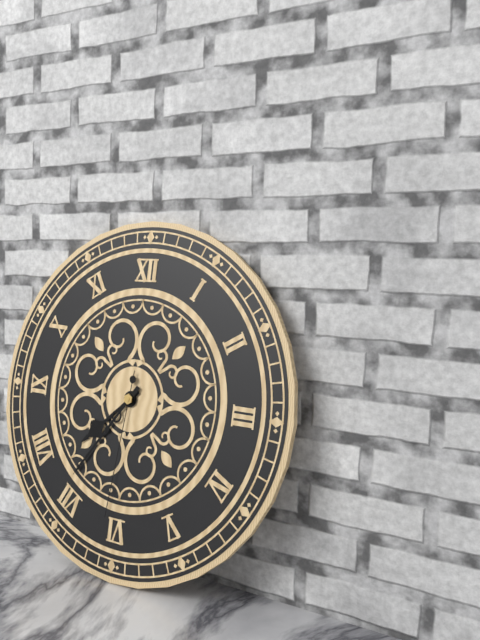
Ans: 7:36:31
